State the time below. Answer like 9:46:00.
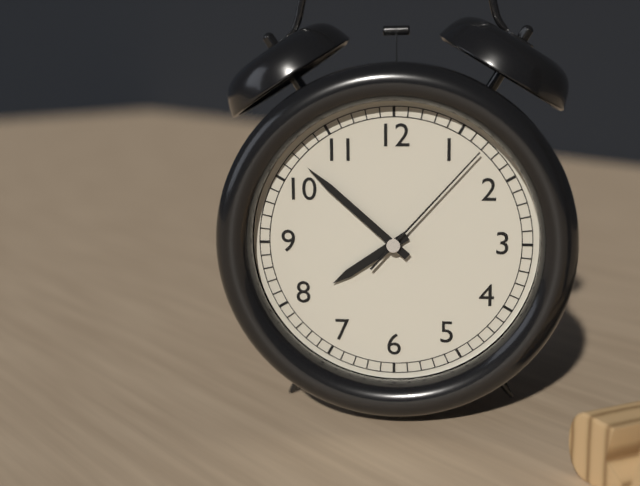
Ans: 7:52:07
